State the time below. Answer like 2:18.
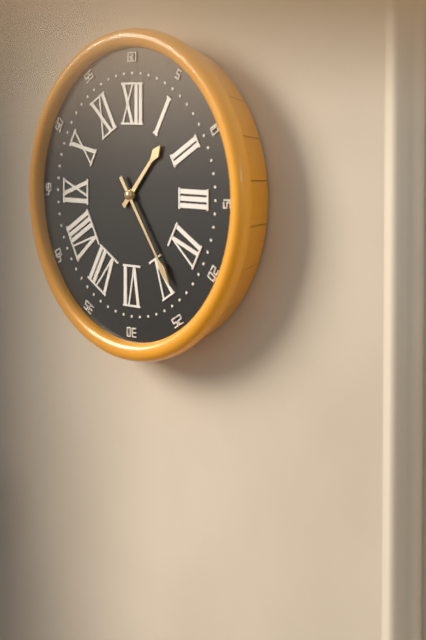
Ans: 1:24
